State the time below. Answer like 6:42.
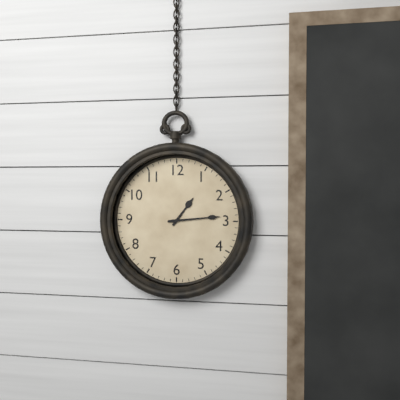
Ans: 1:14
